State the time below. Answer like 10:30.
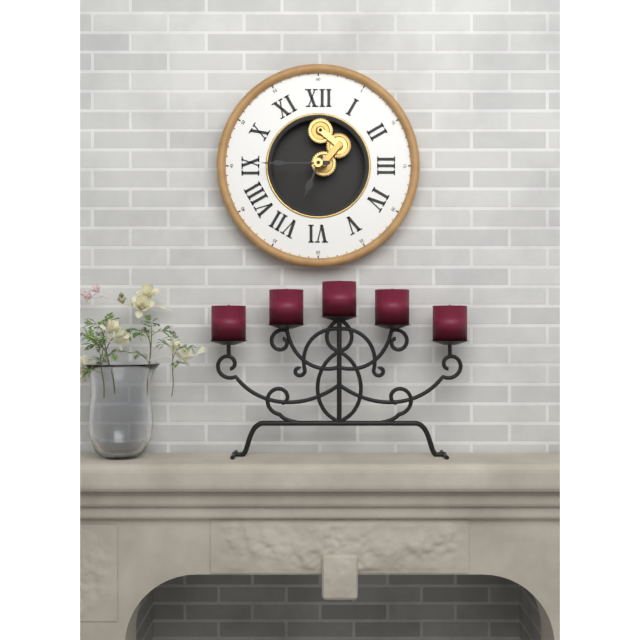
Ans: 6:45
